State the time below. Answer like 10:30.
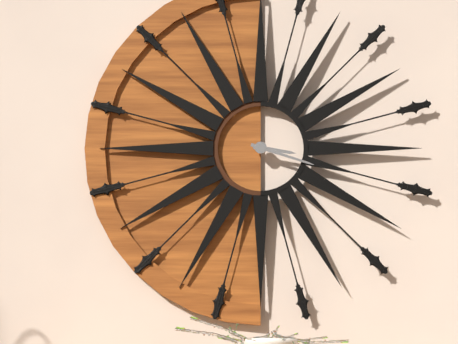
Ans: 3:18
